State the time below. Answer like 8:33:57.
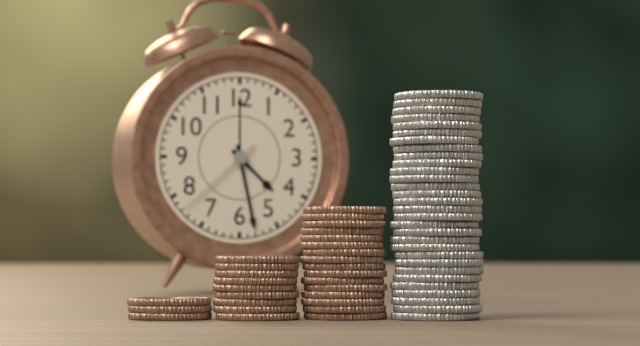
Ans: 4:28:38
